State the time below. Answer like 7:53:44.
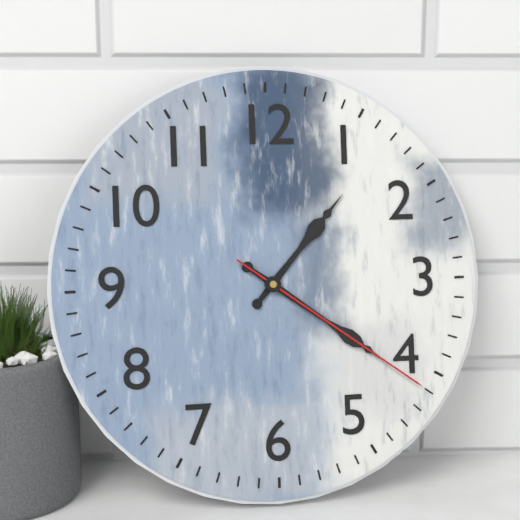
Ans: 1:21:21
